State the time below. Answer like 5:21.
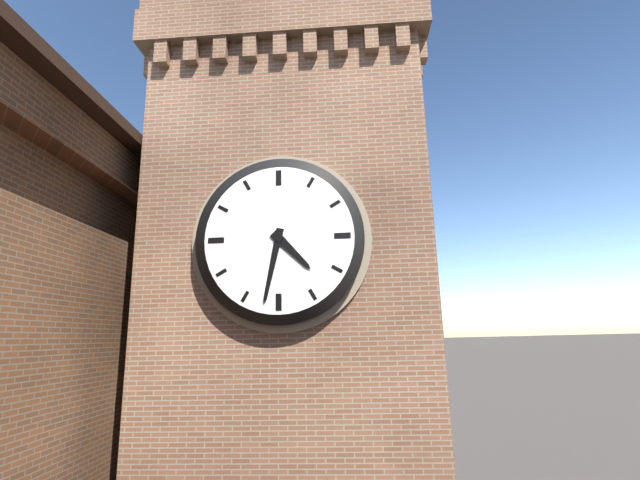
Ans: 4:32
